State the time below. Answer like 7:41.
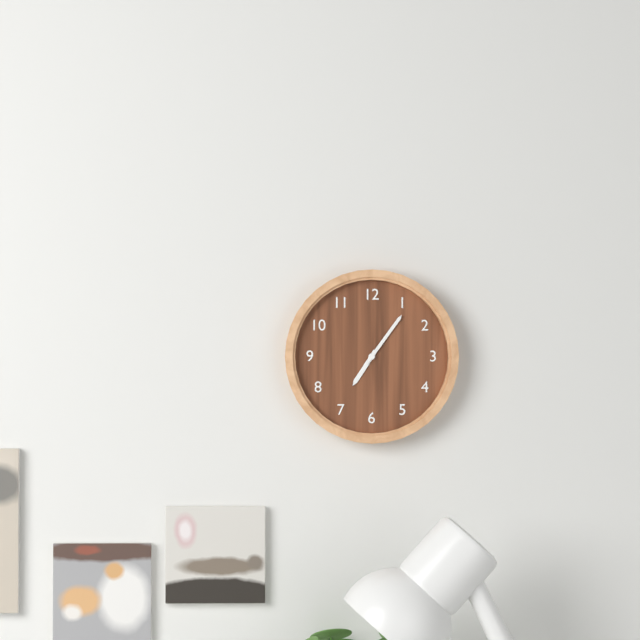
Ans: 7:06
